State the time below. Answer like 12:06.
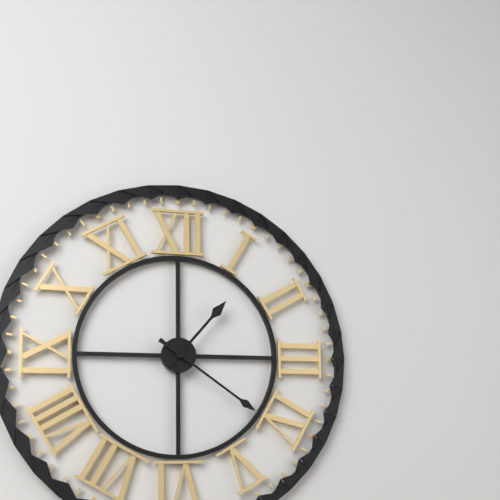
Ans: 1:21
